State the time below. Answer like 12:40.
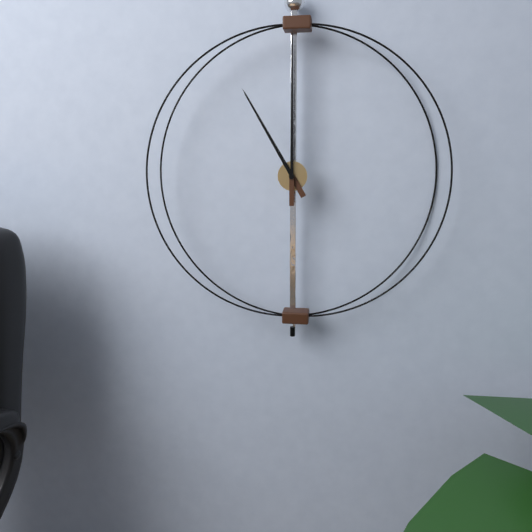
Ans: 11:00
